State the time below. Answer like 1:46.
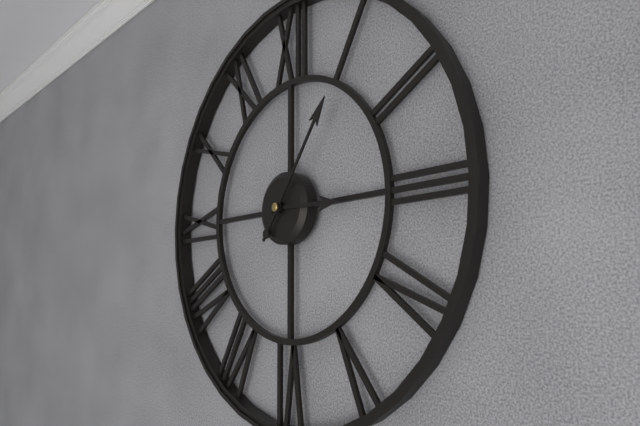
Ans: 3:06
